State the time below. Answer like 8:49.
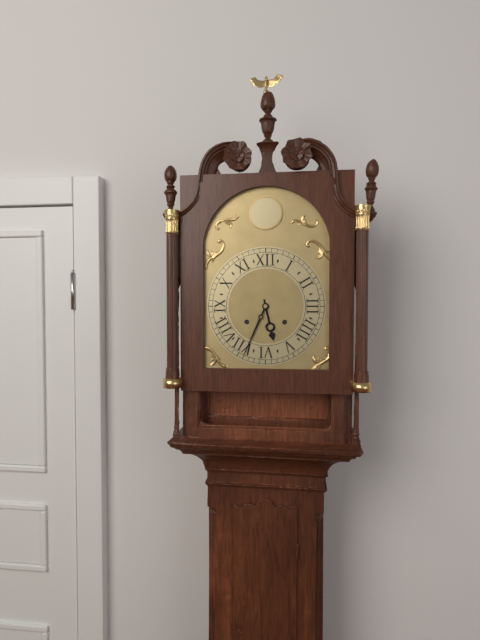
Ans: 5:34
